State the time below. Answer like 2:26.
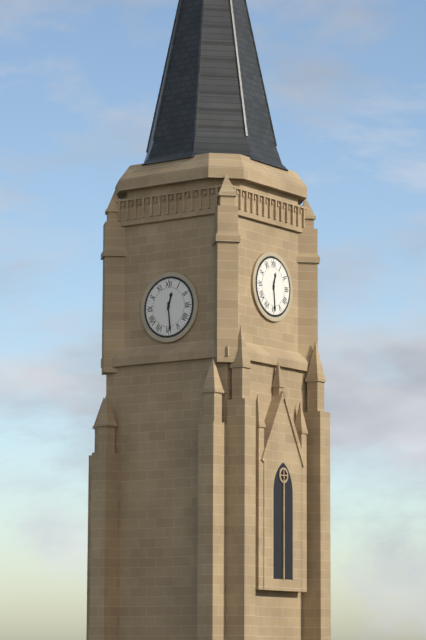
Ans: 12:29
